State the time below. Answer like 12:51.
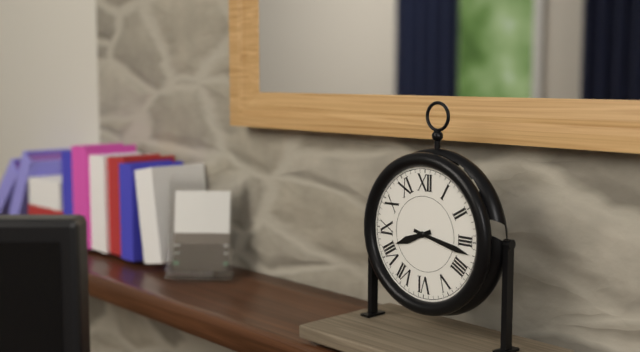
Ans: 8:17
